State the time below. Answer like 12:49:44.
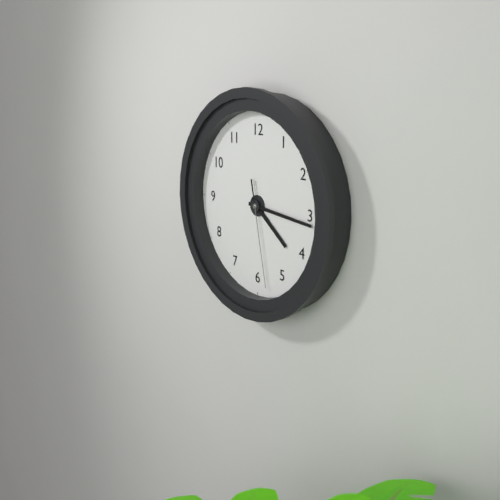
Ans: 4:16:28
